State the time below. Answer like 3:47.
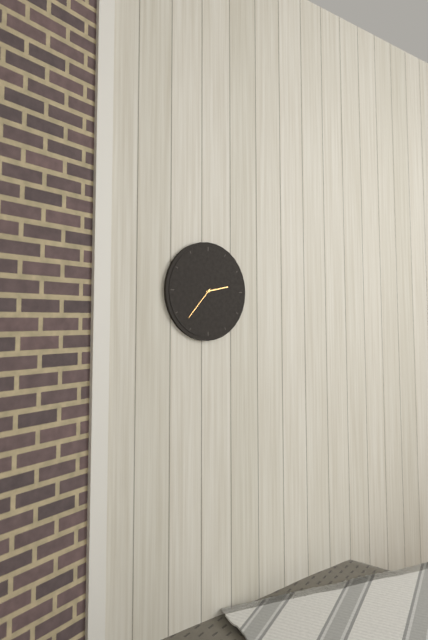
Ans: 2:37
